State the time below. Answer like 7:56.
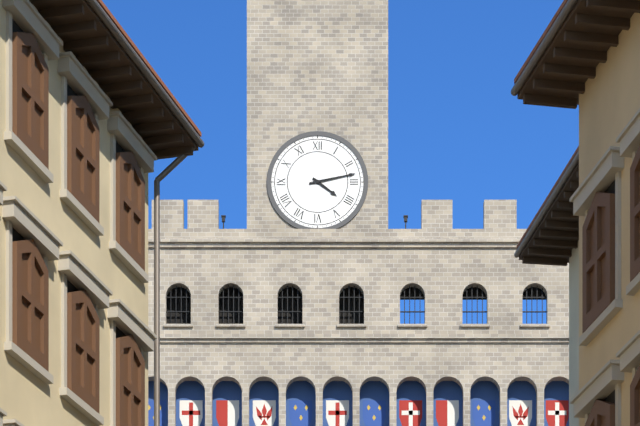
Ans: 4:13
